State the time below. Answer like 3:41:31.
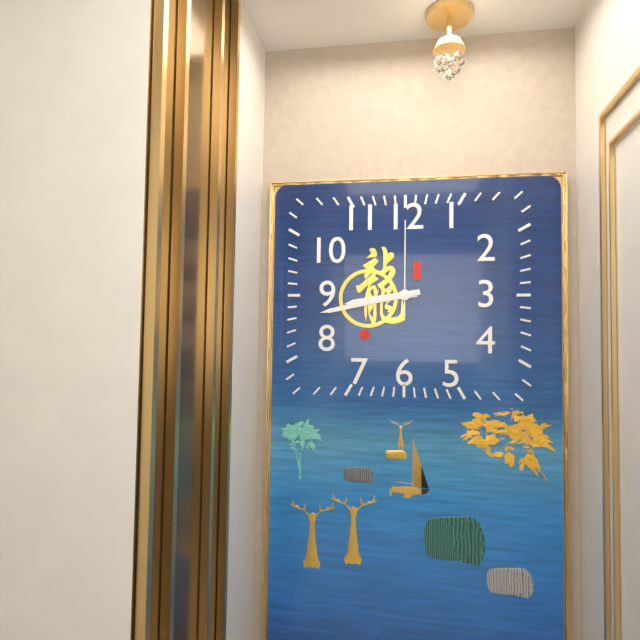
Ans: 8:43:00
